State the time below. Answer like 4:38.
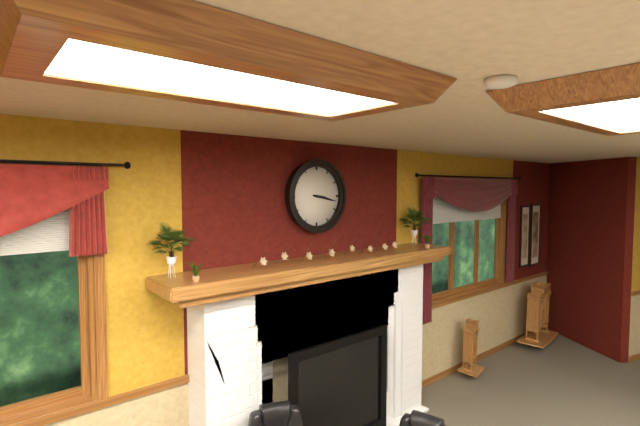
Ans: 3:17
